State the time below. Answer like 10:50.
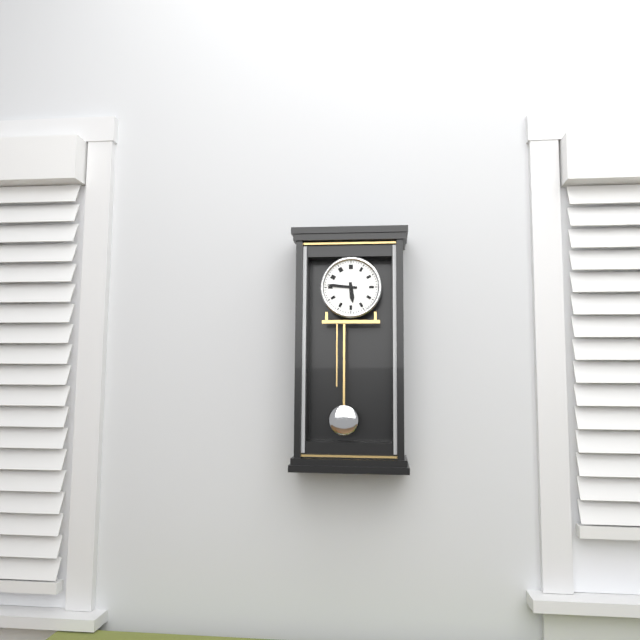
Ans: 5:46
